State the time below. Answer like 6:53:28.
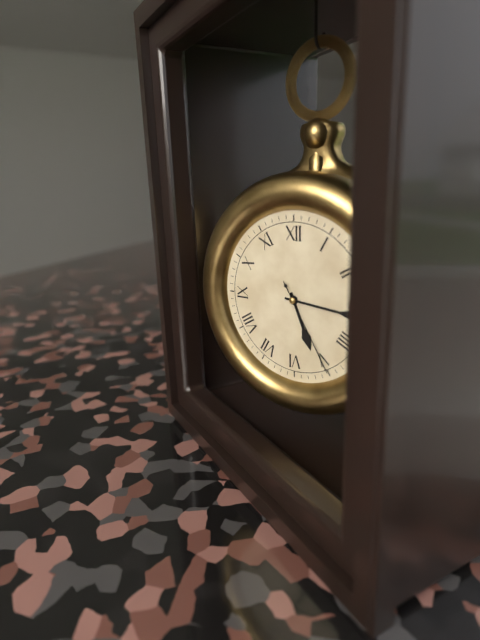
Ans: 5:16:25
